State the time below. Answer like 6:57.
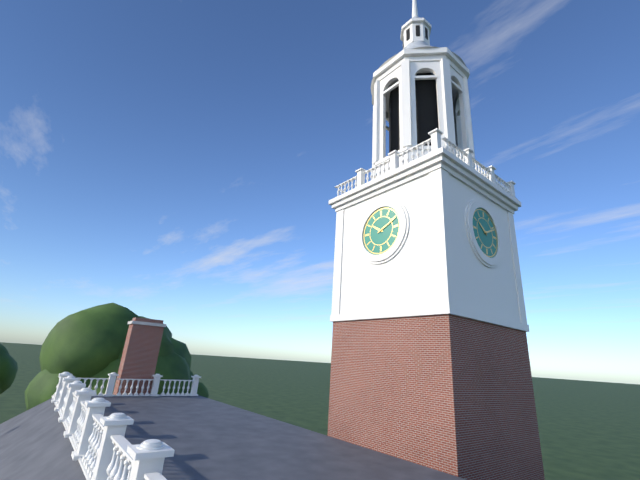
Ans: 10:11
